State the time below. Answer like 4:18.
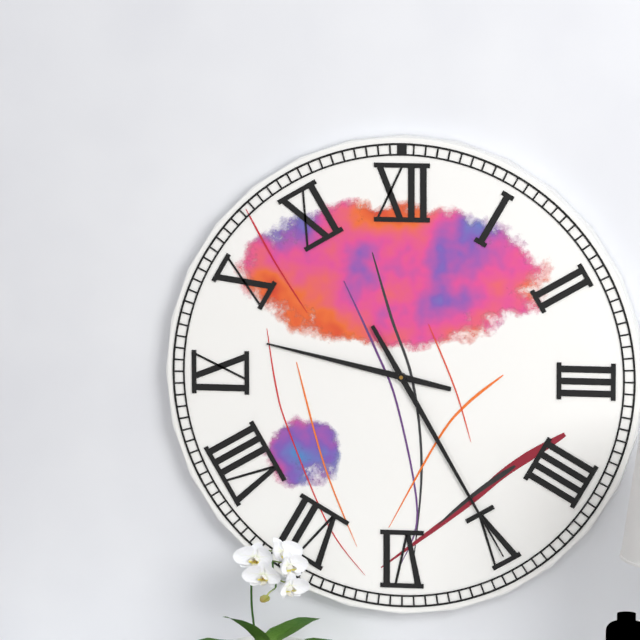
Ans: 9:25
